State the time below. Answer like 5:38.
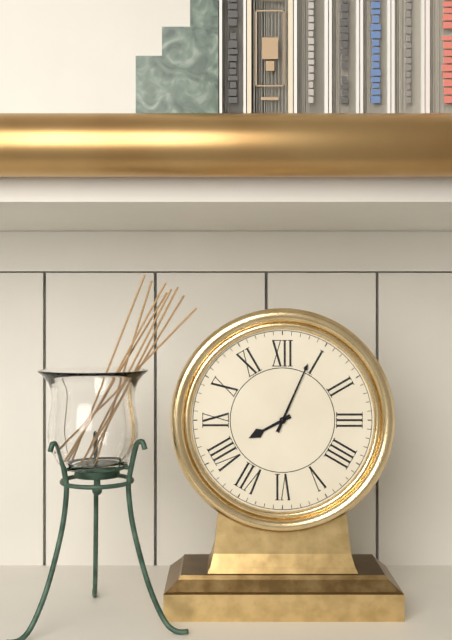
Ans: 8:04
